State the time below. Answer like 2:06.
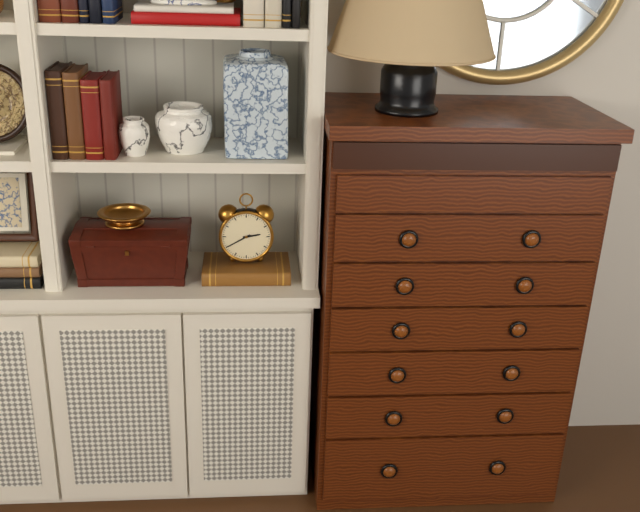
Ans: 2:40
